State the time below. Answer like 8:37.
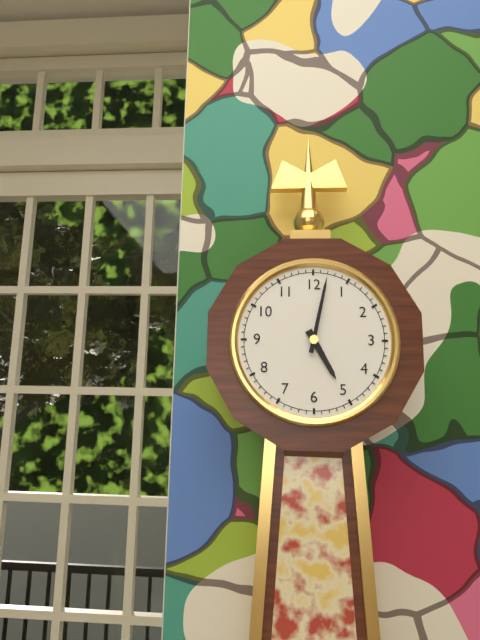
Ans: 5:02
